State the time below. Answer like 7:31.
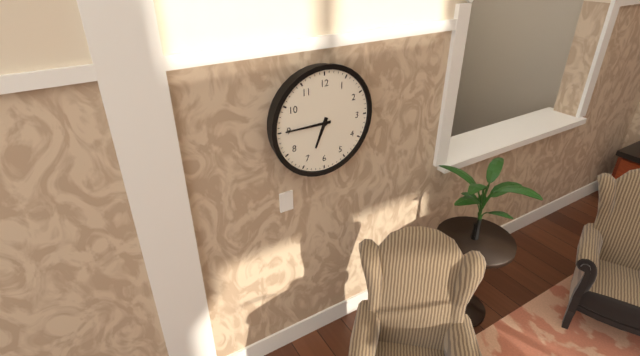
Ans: 6:45
